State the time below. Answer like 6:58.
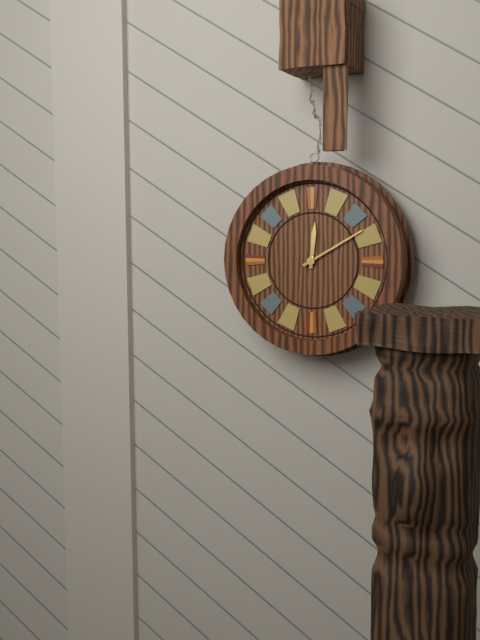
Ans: 12:10
